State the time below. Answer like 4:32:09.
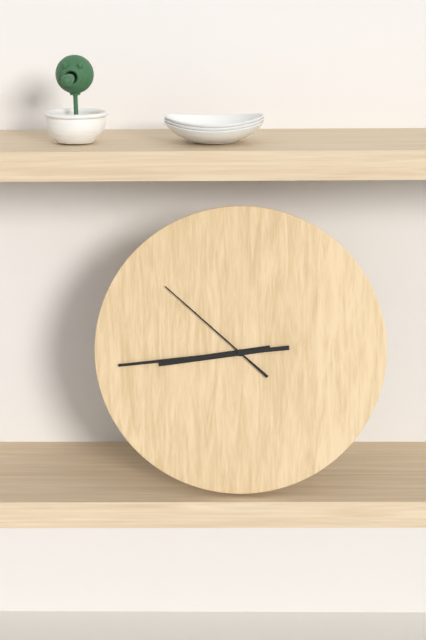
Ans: 8:44:52
